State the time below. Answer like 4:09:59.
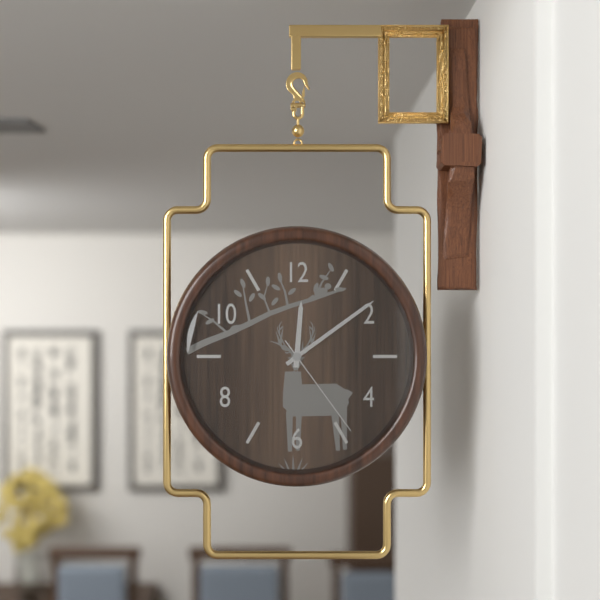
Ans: 12:09:24
